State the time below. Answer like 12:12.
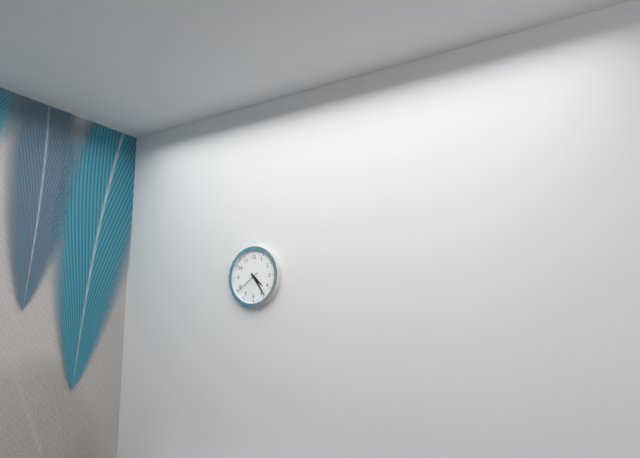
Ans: 4:24
